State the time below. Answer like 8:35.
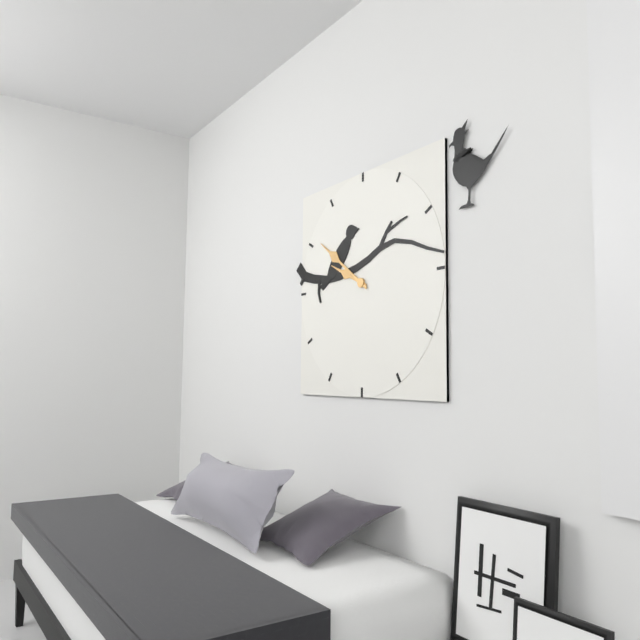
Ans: 9:51
